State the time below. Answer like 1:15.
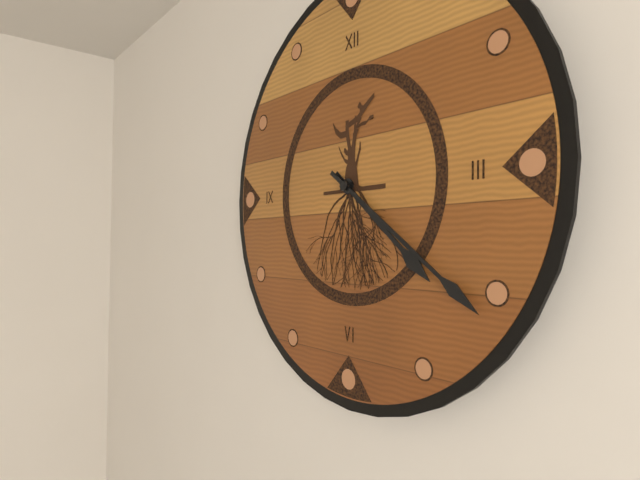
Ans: 4:21
